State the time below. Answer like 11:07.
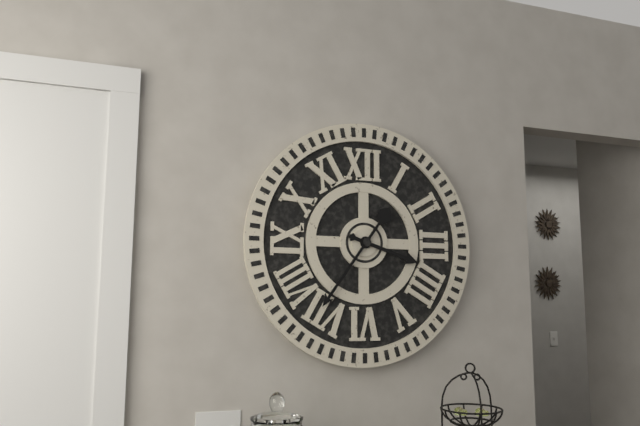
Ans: 3:36
